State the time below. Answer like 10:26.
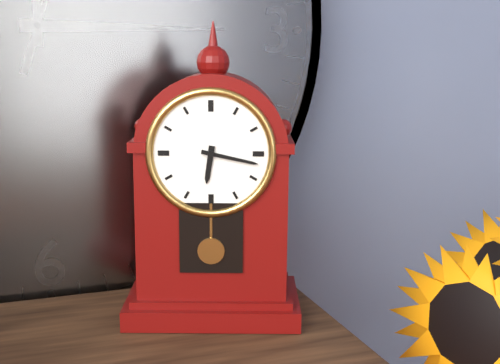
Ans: 6:17
